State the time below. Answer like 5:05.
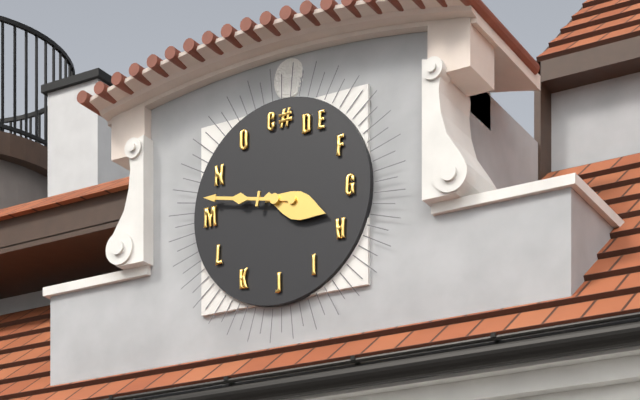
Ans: 3:47
